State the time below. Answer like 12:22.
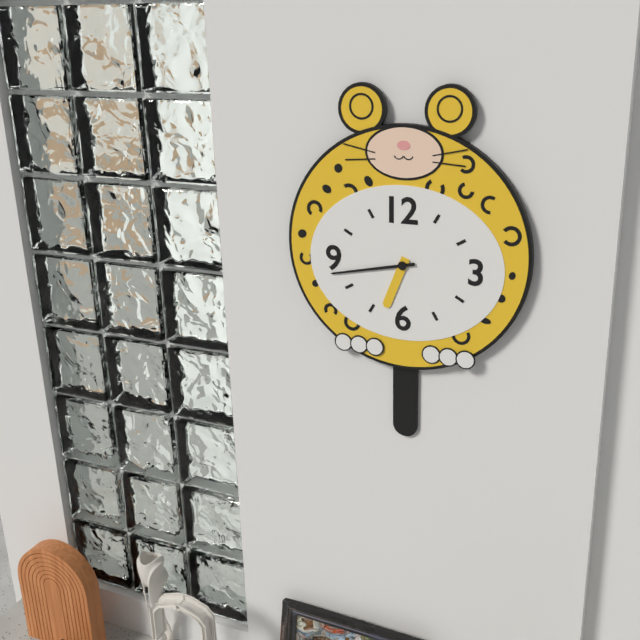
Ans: 6:43
